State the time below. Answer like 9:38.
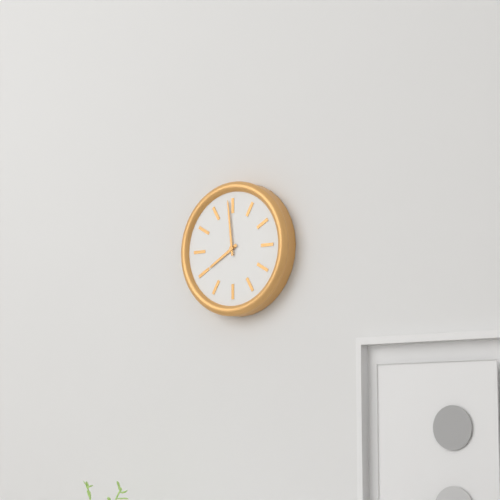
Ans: 7:59
